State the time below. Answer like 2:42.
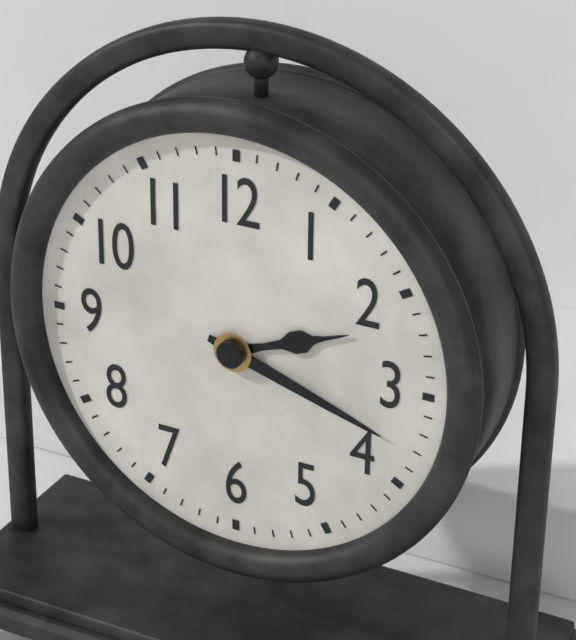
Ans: 2:18
